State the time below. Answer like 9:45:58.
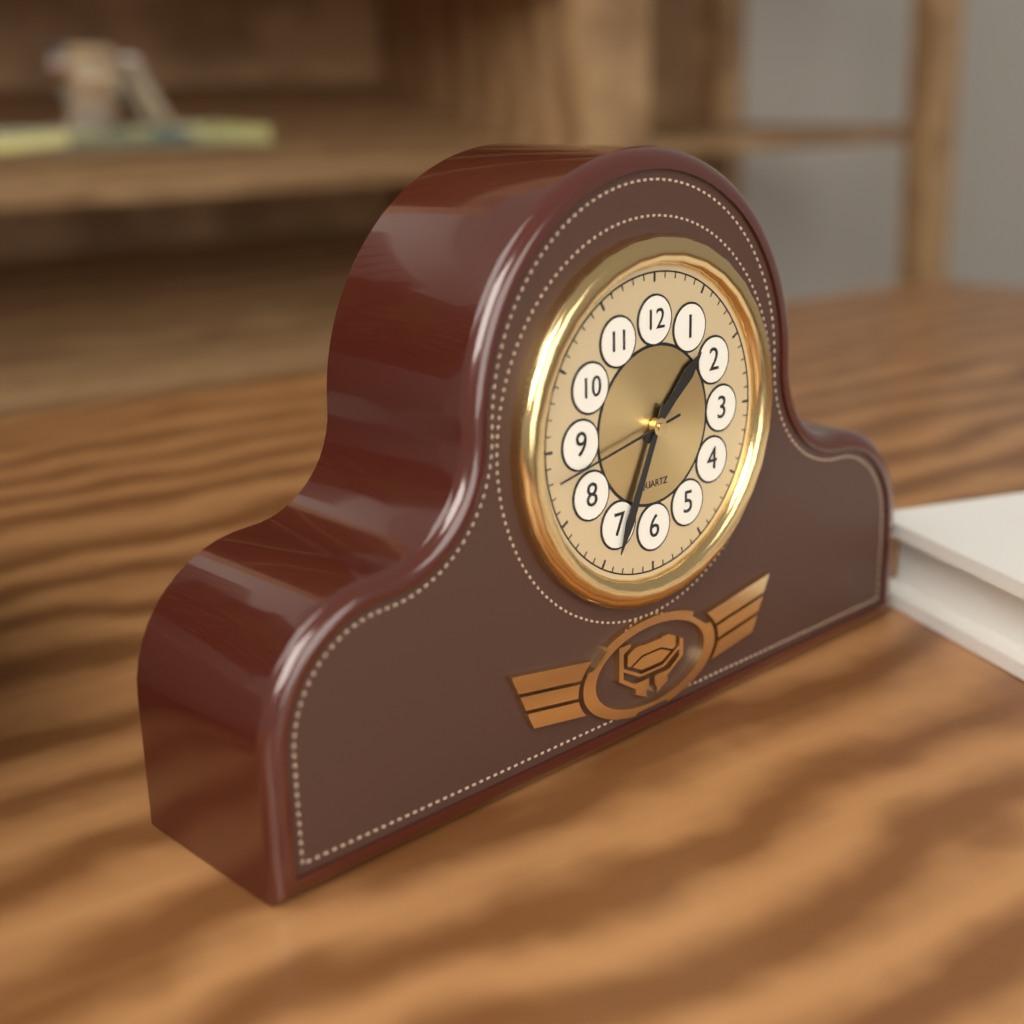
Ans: 1:34:43
